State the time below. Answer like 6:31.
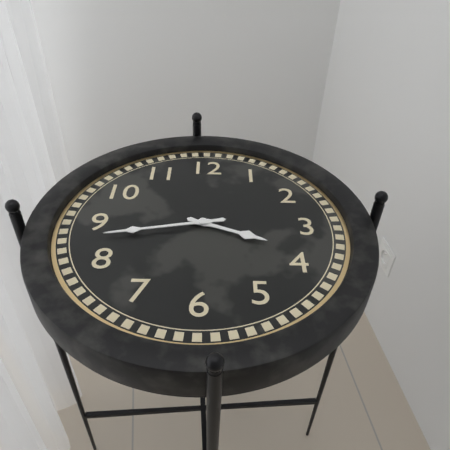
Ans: 3:43
